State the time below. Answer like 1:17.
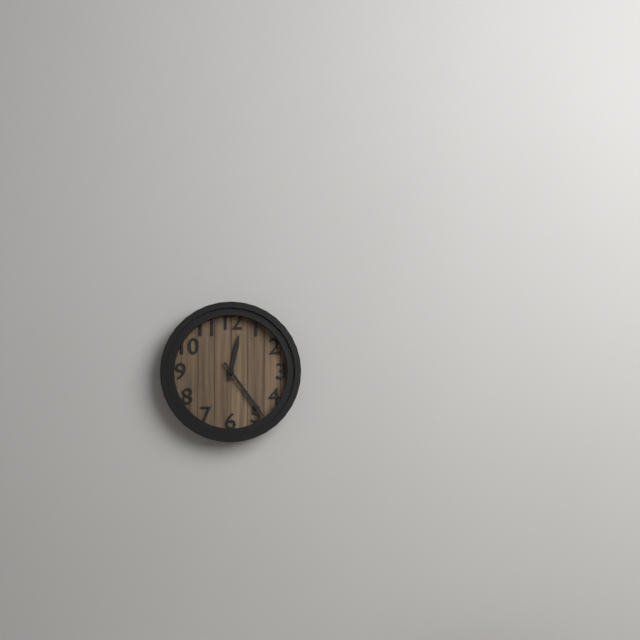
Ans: 12:24
